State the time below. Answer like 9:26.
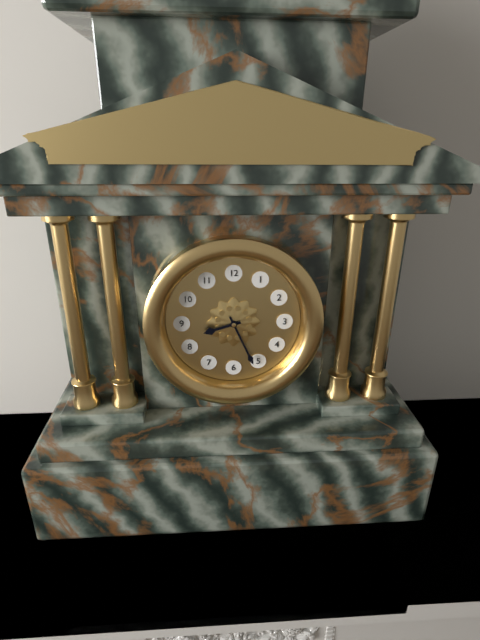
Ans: 8:26
